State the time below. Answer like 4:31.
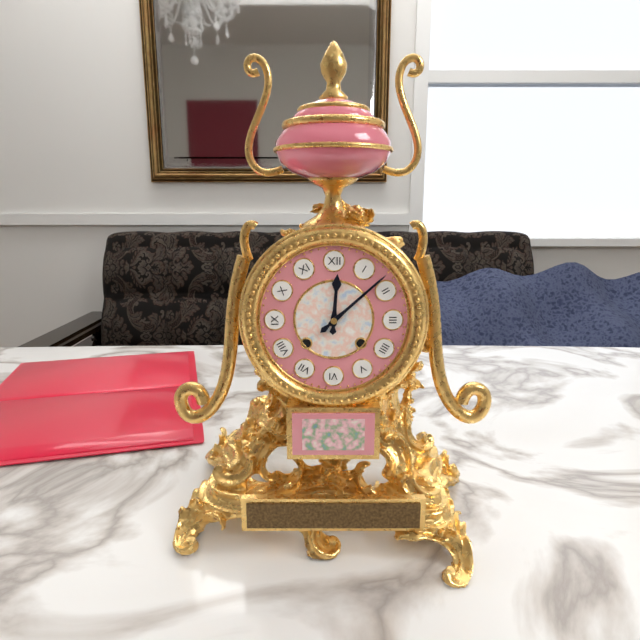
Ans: 12:08
